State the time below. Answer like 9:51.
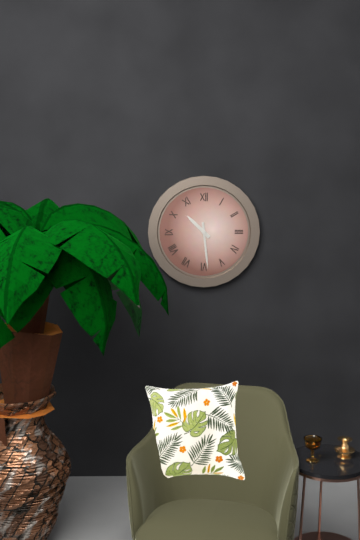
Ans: 10:29
